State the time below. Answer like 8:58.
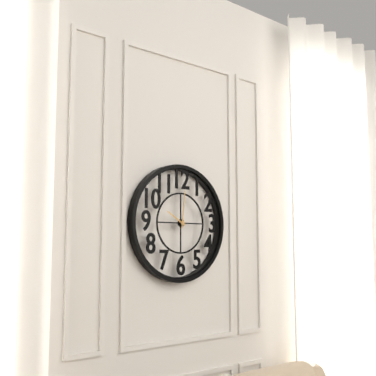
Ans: 10:01
